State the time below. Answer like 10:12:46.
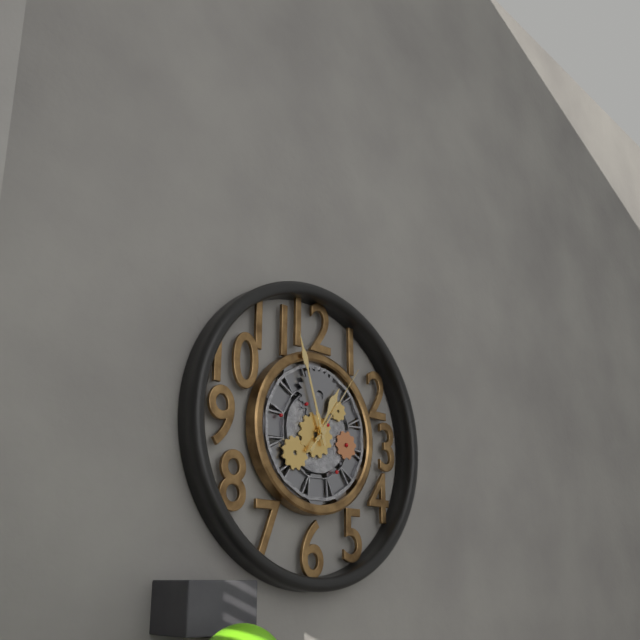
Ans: 12:57:06
